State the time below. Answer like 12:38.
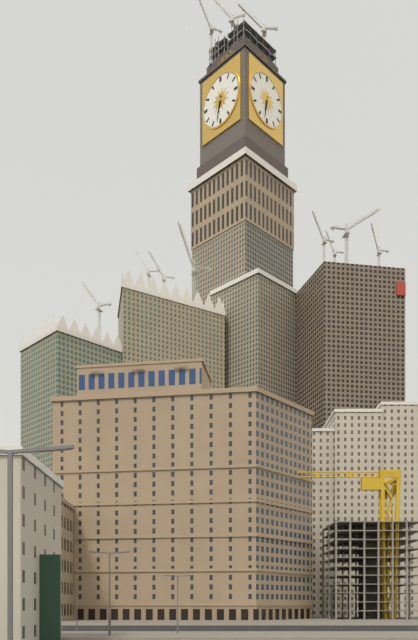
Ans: 6:32
